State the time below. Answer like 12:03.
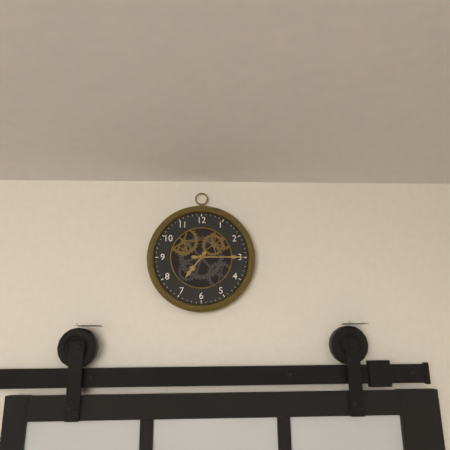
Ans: 7:15
